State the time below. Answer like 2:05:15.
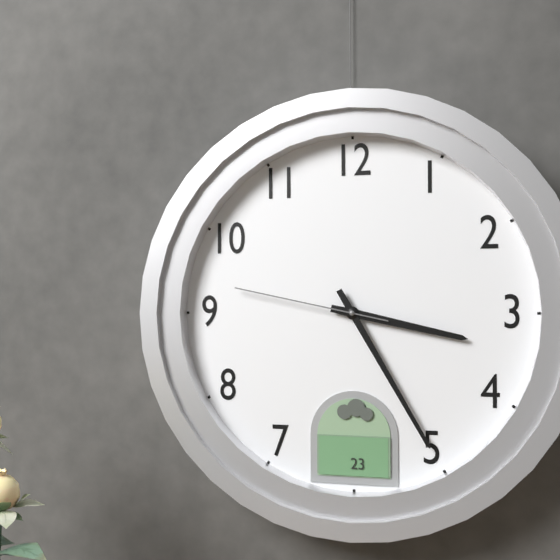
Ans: 3:25:47
